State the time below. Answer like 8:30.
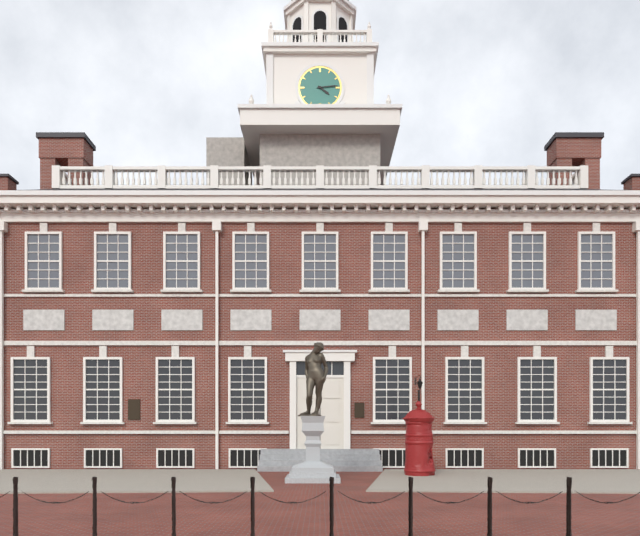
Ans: 4:14
